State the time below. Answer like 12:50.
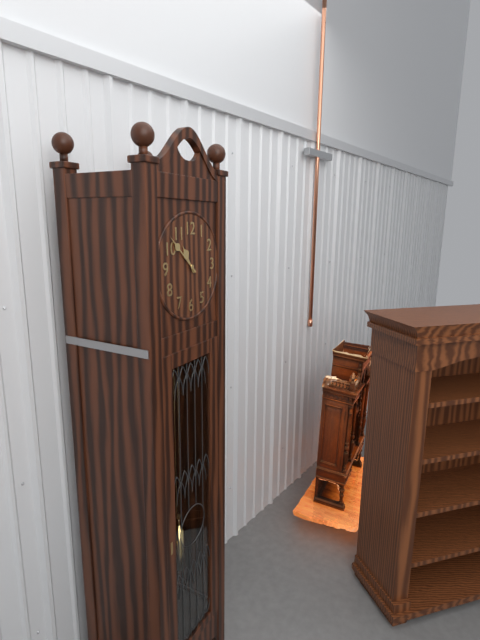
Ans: 10:52
